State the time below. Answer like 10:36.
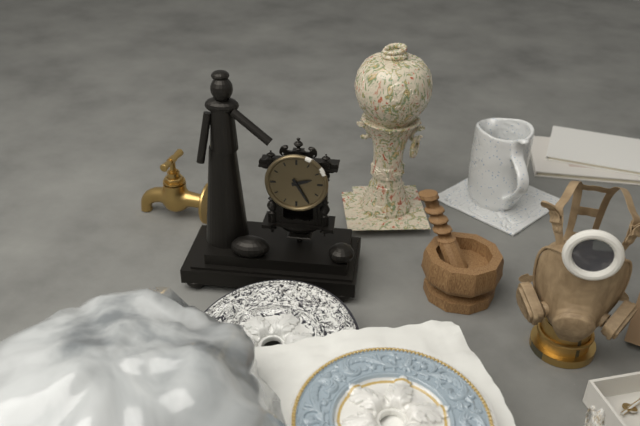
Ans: 2:25
